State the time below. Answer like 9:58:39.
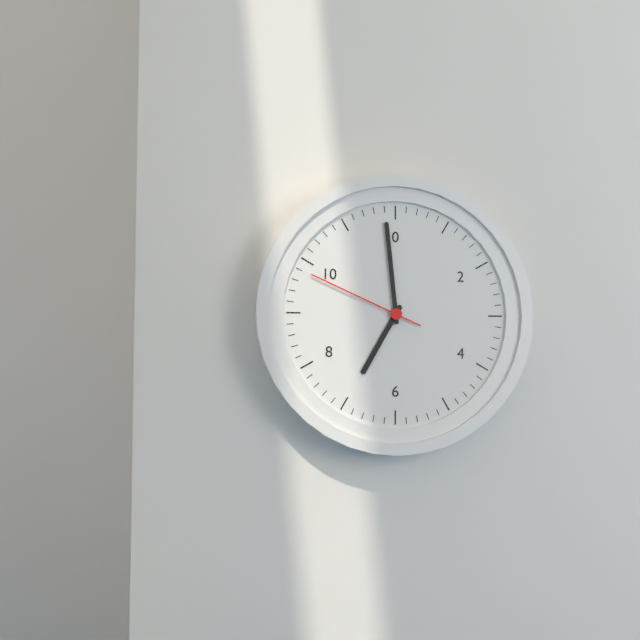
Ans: 6:59:49
